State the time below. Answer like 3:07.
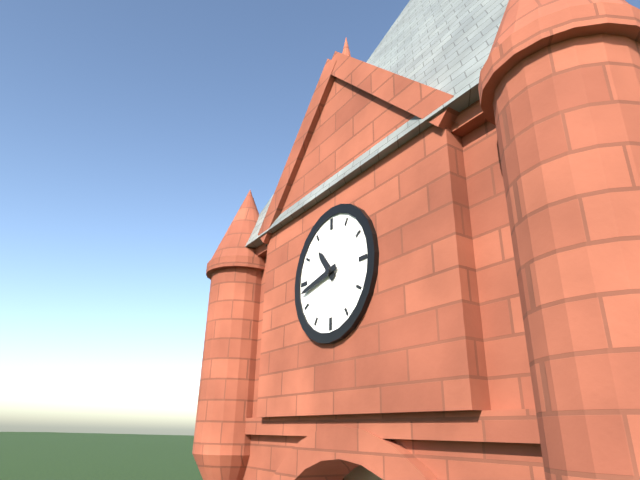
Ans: 10:43
